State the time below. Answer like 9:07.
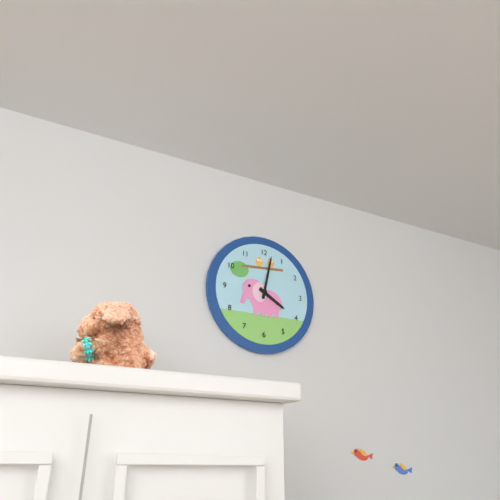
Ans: 4:02
